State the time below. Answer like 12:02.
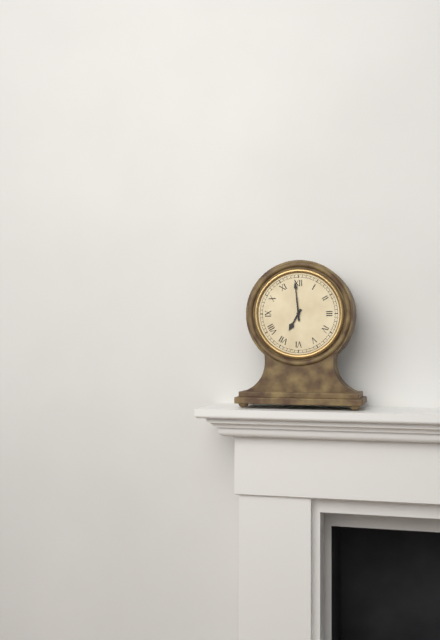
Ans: 6:59
